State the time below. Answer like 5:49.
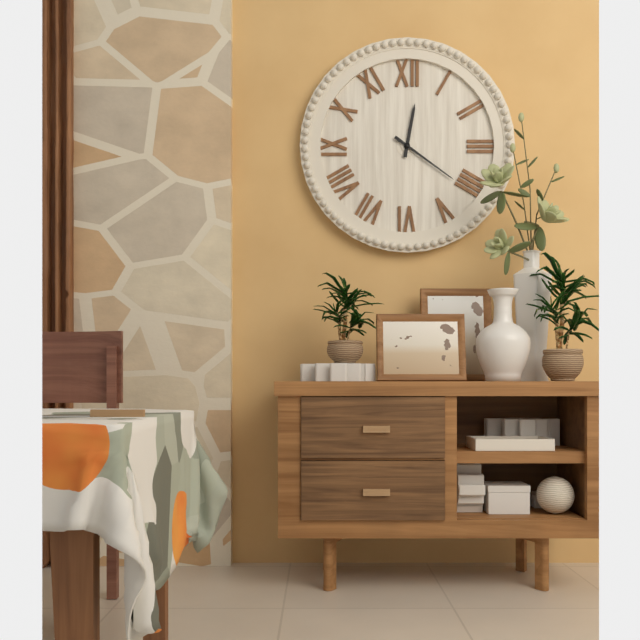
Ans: 12:21
